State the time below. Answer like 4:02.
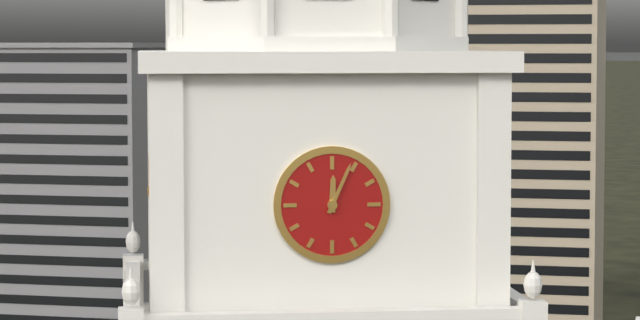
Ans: 12:04
